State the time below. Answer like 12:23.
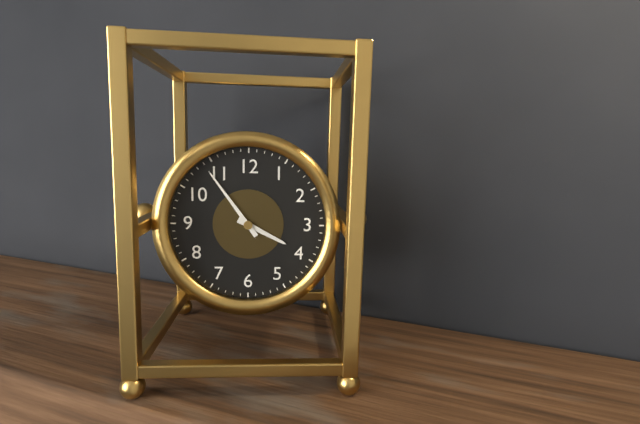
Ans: 3:54
